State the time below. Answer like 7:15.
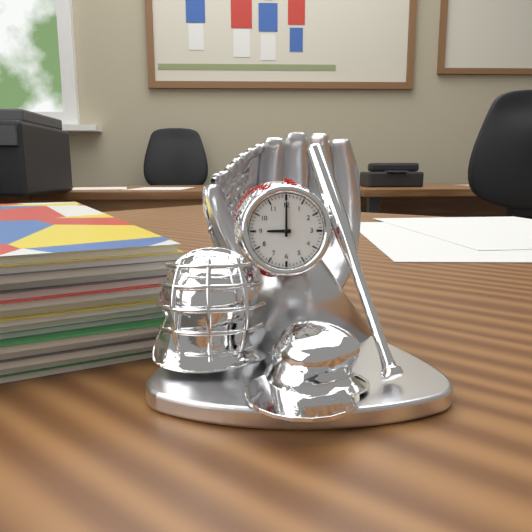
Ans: 9:00
